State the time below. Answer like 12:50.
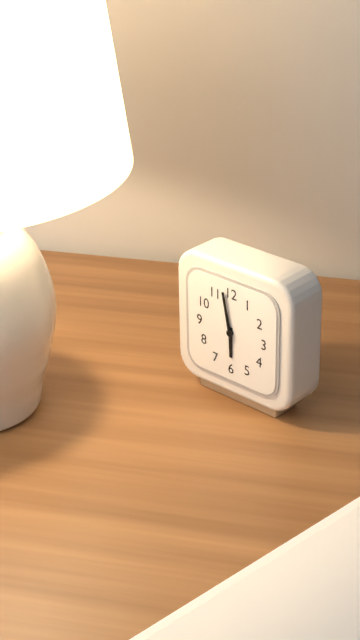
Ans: 5:58
